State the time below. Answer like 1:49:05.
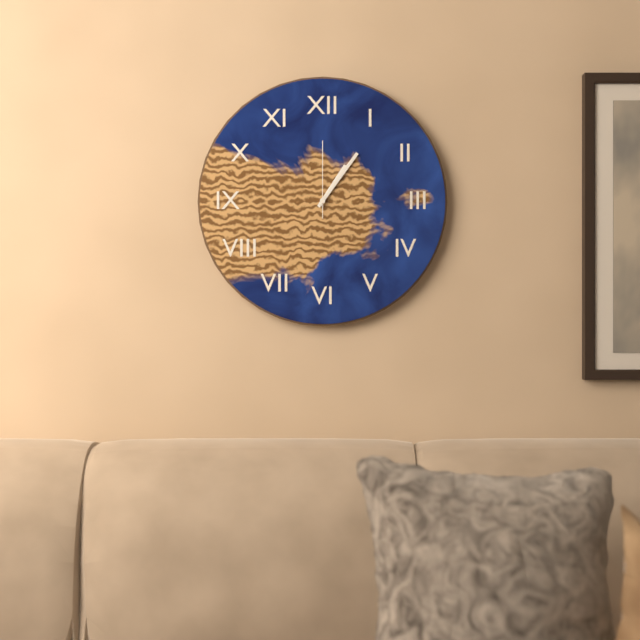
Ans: 1:06:00
